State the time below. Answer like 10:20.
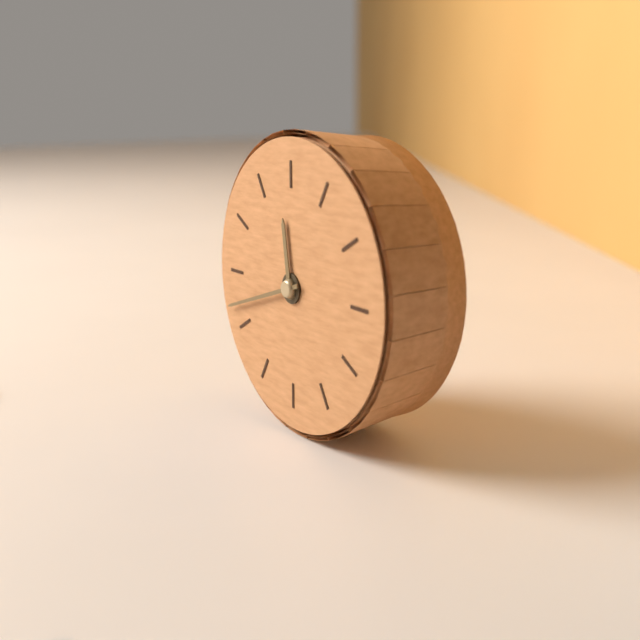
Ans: 11:42
